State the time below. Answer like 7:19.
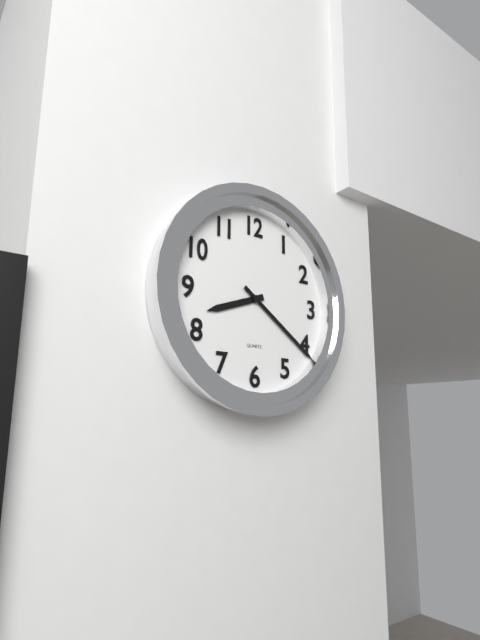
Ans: 8:21
